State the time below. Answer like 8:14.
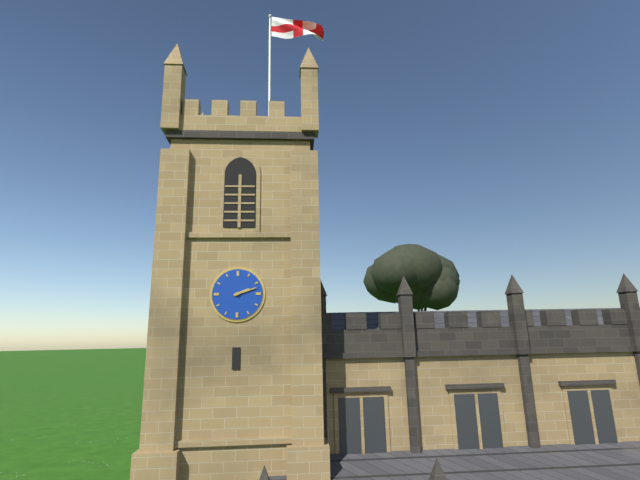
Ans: 2:12
